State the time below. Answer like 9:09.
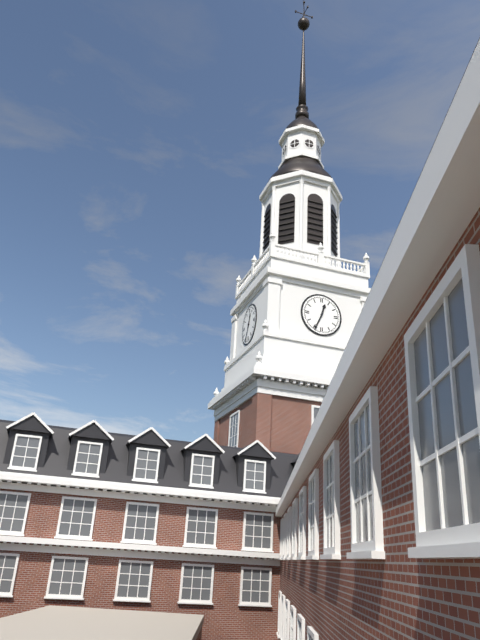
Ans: 12:34
